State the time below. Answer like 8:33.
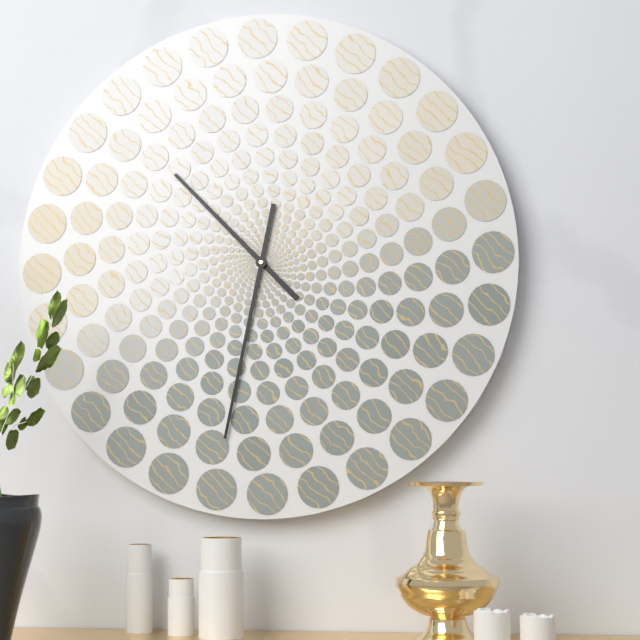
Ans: 10:32
